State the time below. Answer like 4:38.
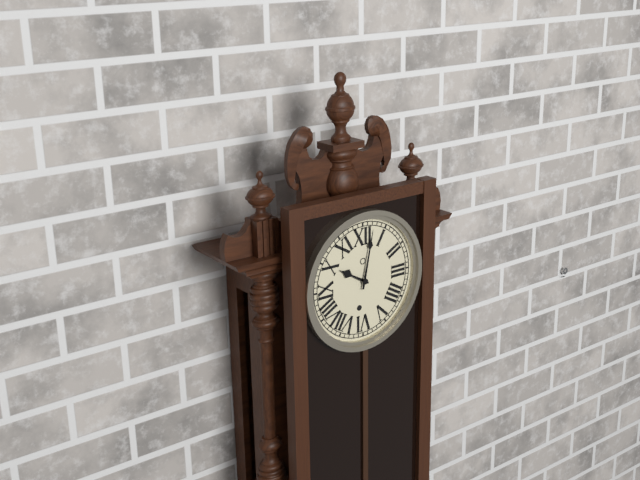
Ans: 10:02
